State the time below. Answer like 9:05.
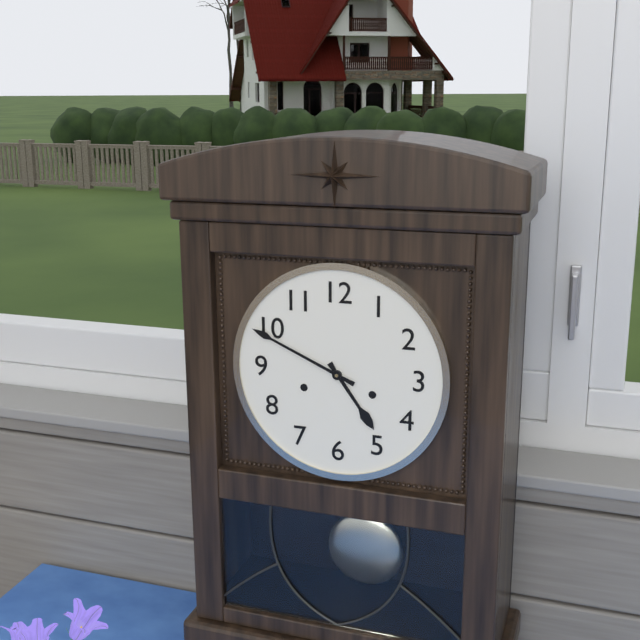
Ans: 4:49
